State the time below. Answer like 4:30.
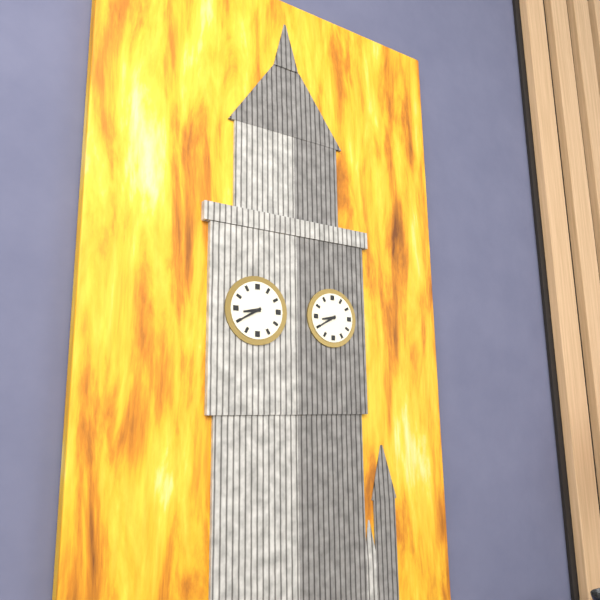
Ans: 8:40
